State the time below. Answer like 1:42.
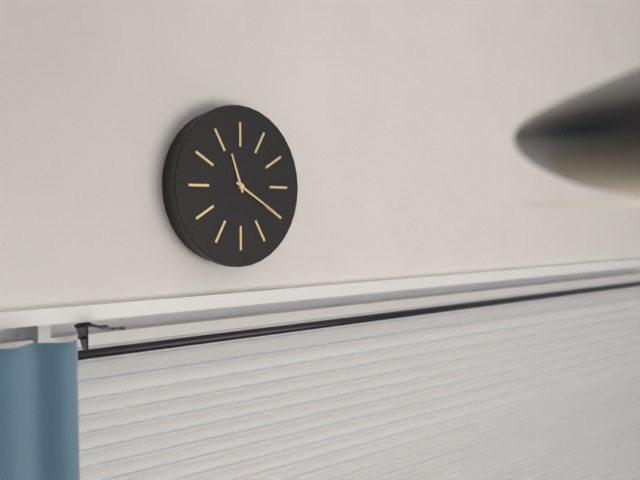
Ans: 11:20
